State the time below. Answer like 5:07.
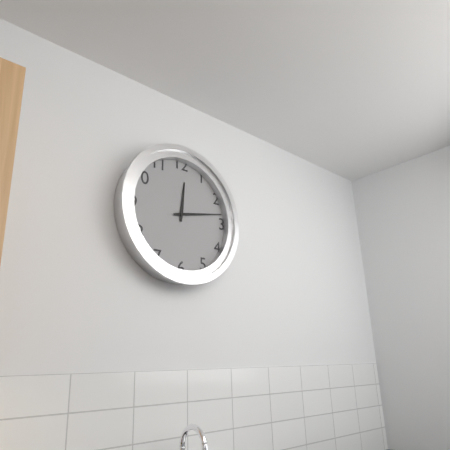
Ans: 12:13
